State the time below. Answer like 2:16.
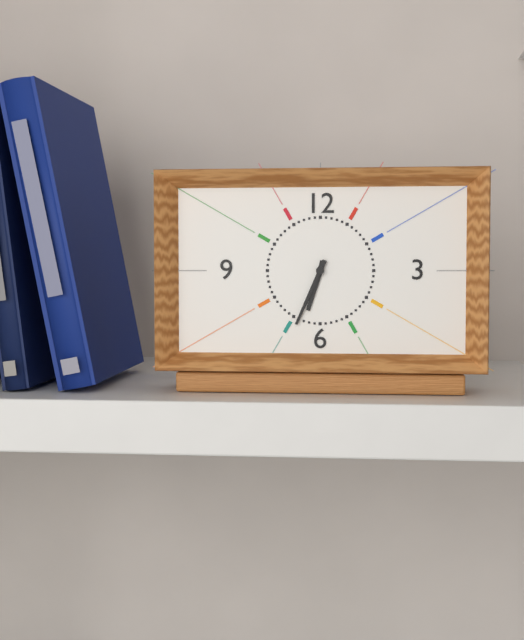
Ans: 6:34
